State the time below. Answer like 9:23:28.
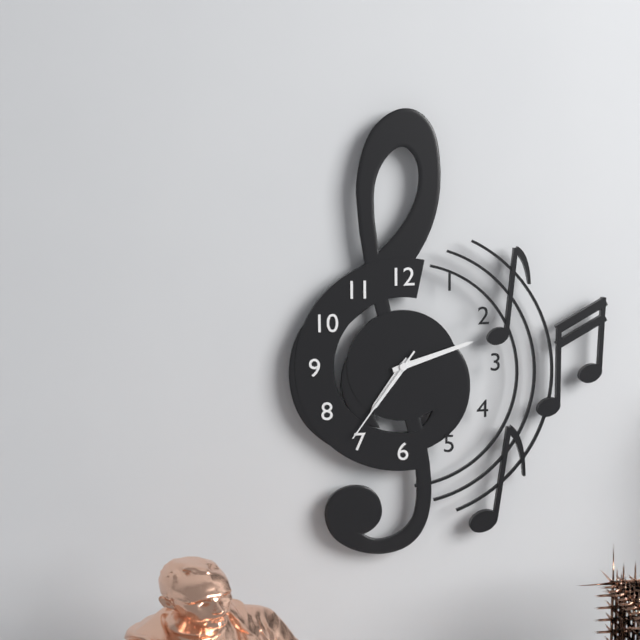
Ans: 7:12:36
